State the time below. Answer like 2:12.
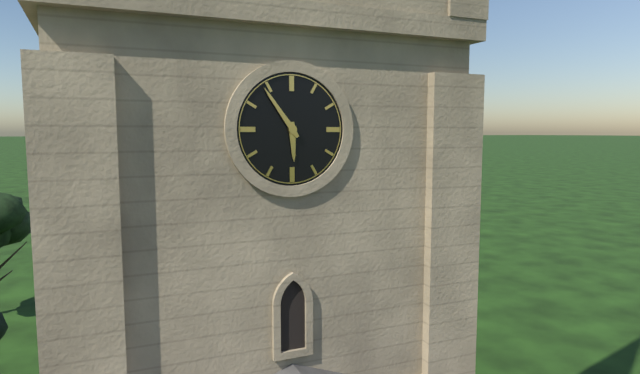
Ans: 5:54
